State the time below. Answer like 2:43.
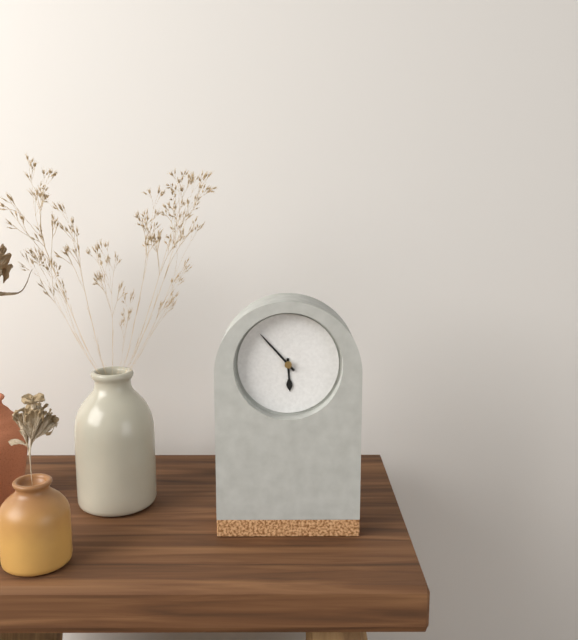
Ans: 5:53
